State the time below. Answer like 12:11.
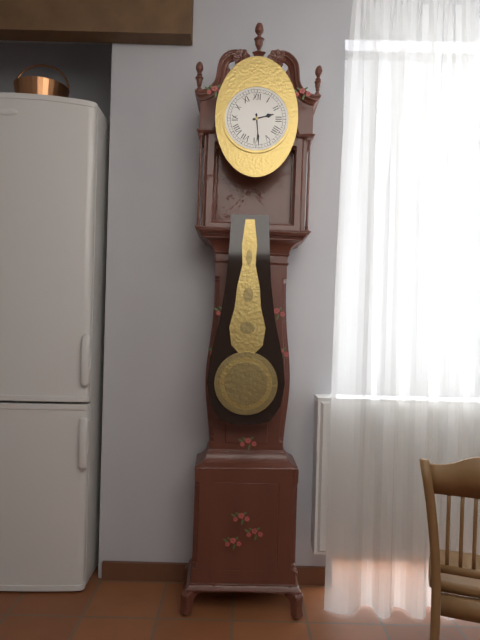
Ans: 2:29
